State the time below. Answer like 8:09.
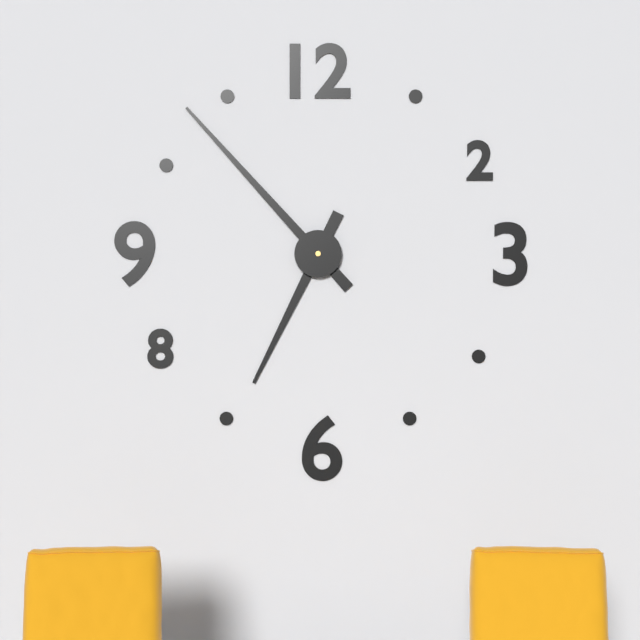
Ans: 6:53
